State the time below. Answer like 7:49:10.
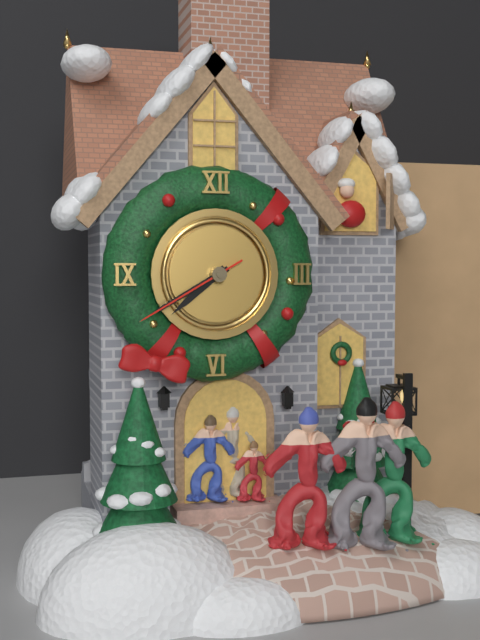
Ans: 7:40:40
